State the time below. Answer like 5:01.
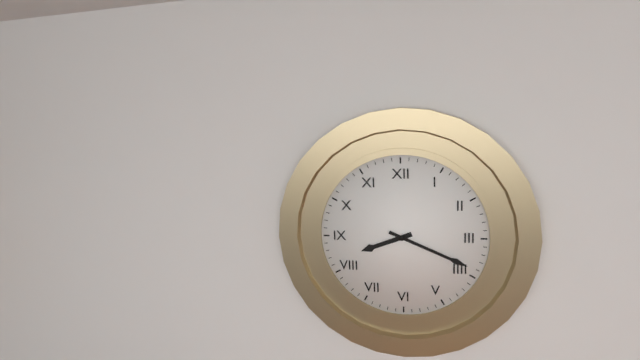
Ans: 8:19
